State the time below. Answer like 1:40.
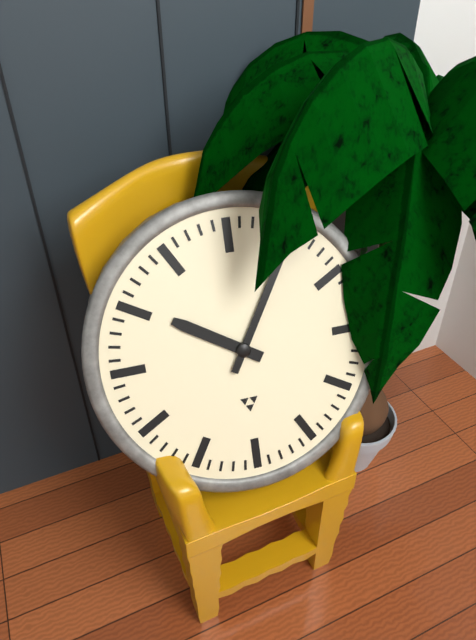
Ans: 10:05
